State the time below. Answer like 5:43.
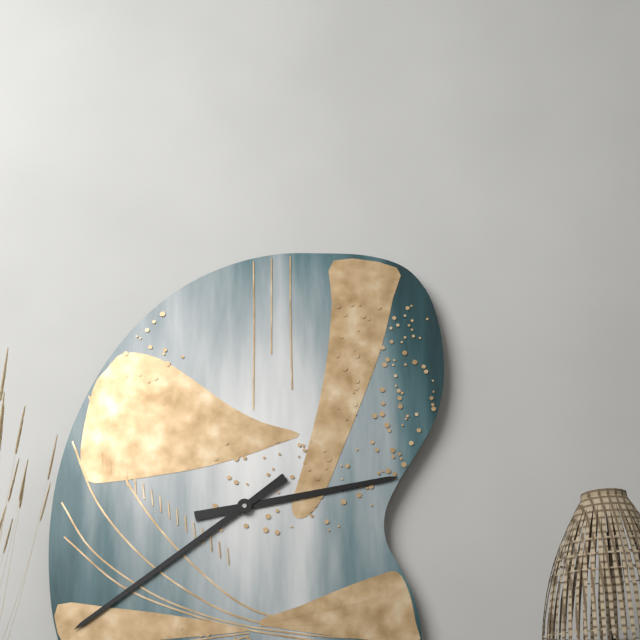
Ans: 2:39
